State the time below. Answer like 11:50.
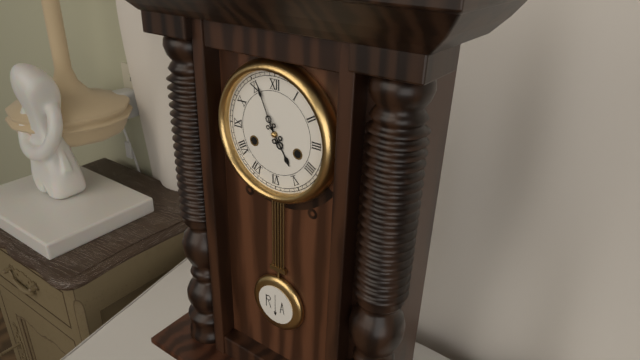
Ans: 4:56
